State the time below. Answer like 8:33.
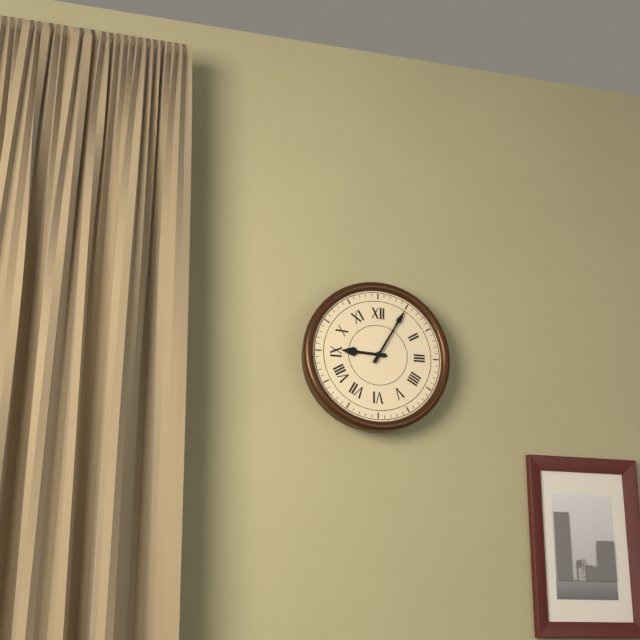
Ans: 9:05
